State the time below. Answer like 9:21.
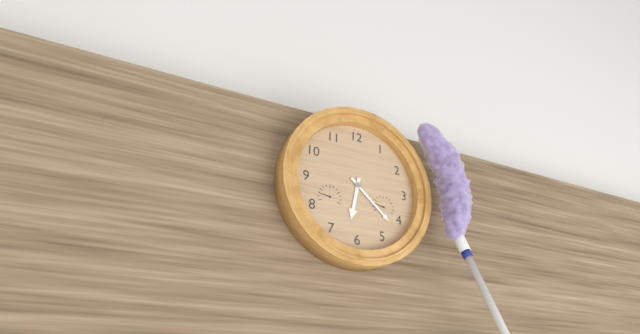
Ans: 6:22
